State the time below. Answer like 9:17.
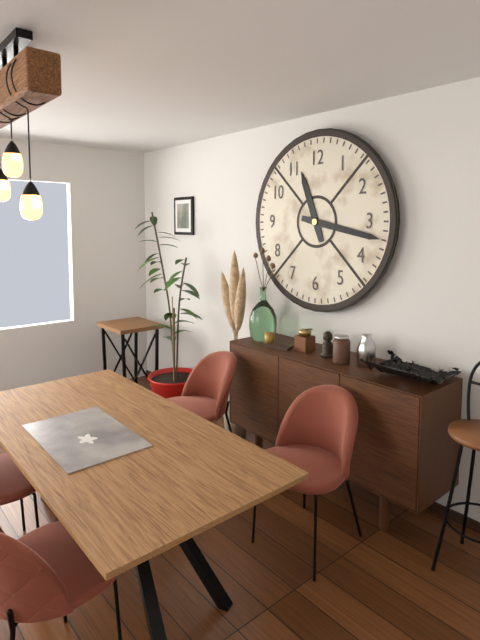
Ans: 11:17
